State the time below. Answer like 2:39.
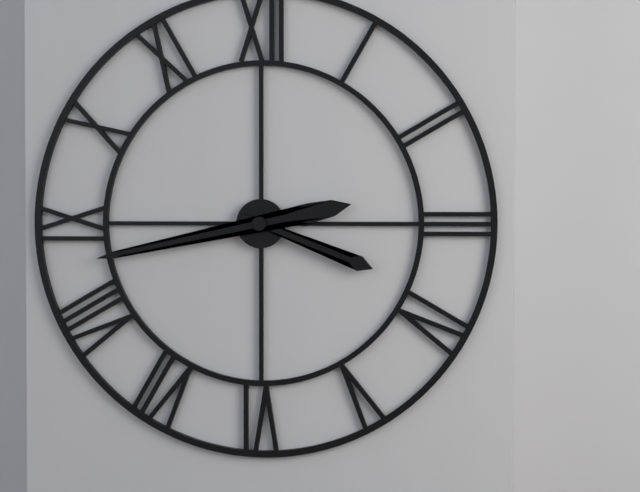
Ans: 3:43
